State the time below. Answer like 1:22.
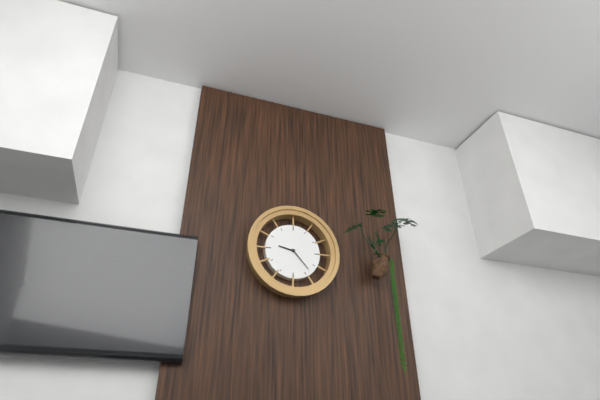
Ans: 9:23
